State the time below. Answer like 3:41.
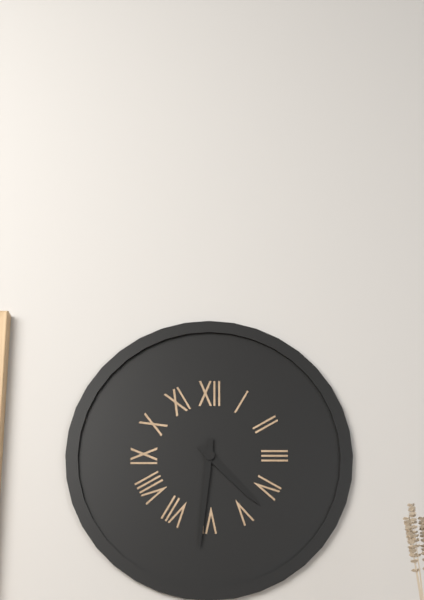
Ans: 4:31
